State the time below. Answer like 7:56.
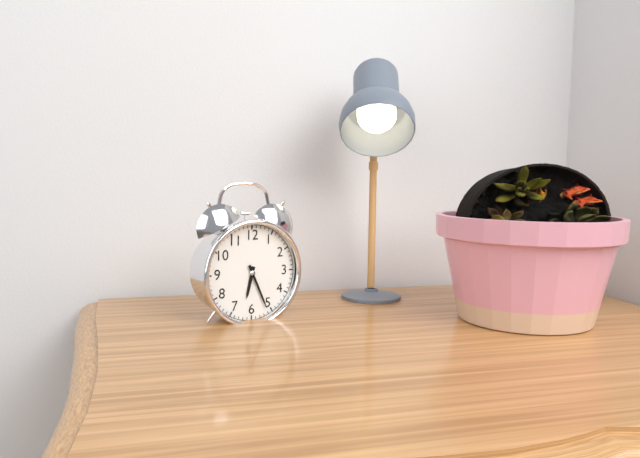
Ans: 6:26
